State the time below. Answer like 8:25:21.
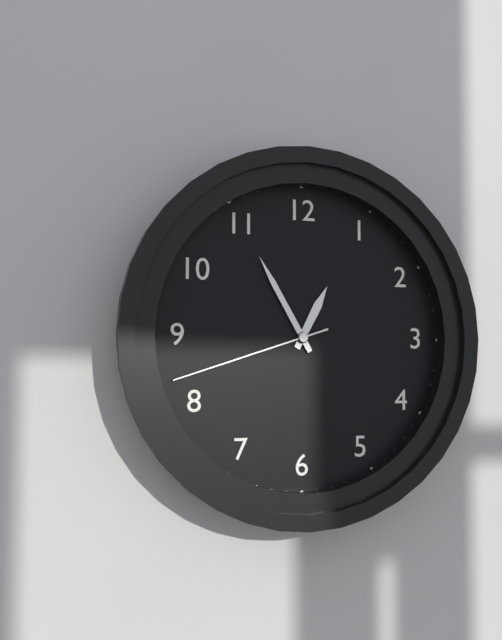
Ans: 12:55:42
